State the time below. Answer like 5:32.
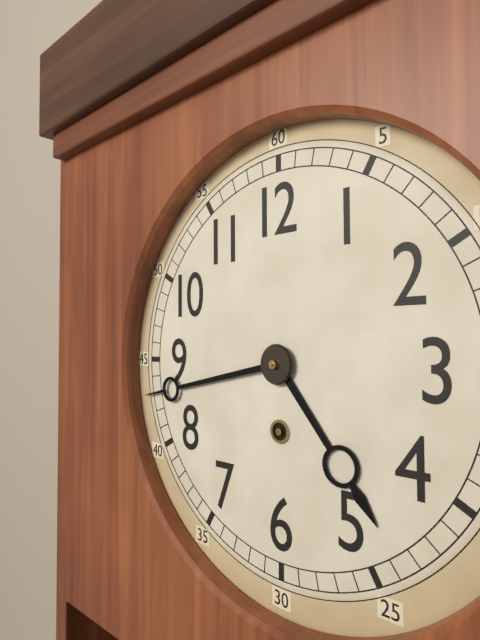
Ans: 4:43
